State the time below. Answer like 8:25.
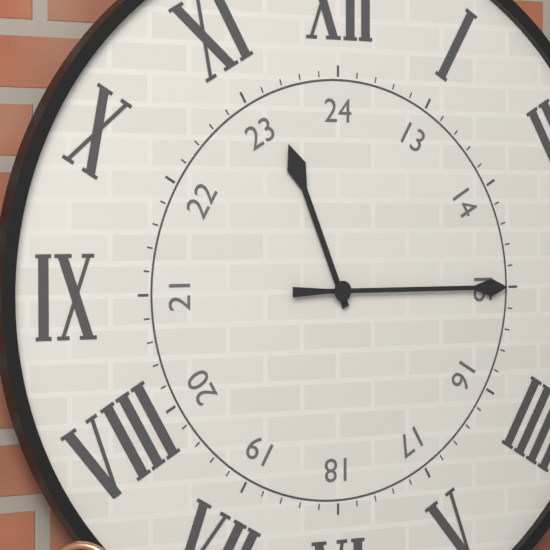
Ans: 11:15
